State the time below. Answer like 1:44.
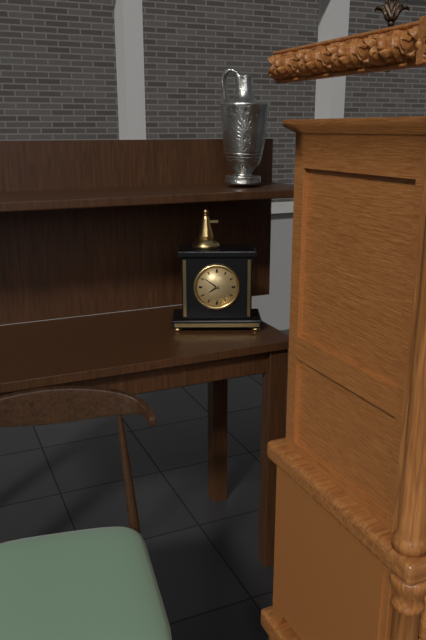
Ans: 7:51
